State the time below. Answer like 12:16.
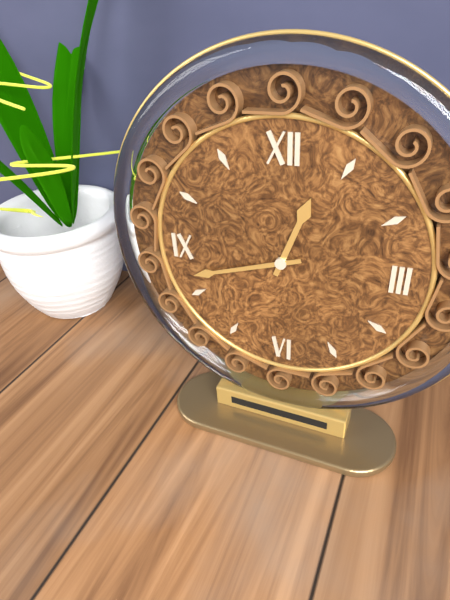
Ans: 12:42
